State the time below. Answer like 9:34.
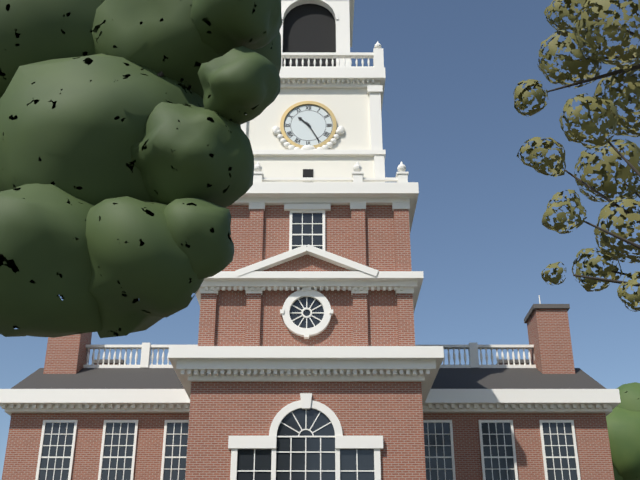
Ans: 10:25
